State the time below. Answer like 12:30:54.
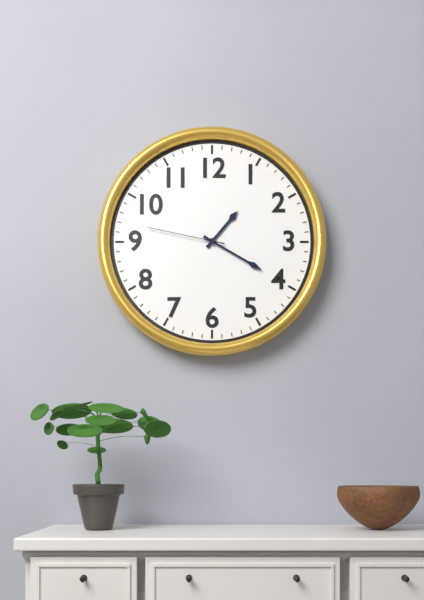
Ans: 1:20:47
